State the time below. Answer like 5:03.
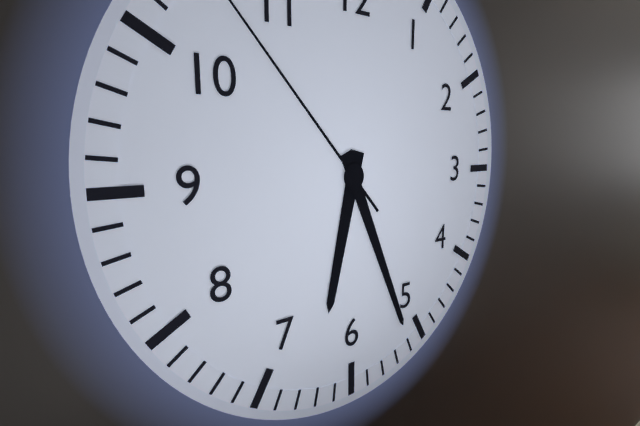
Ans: 6:26
